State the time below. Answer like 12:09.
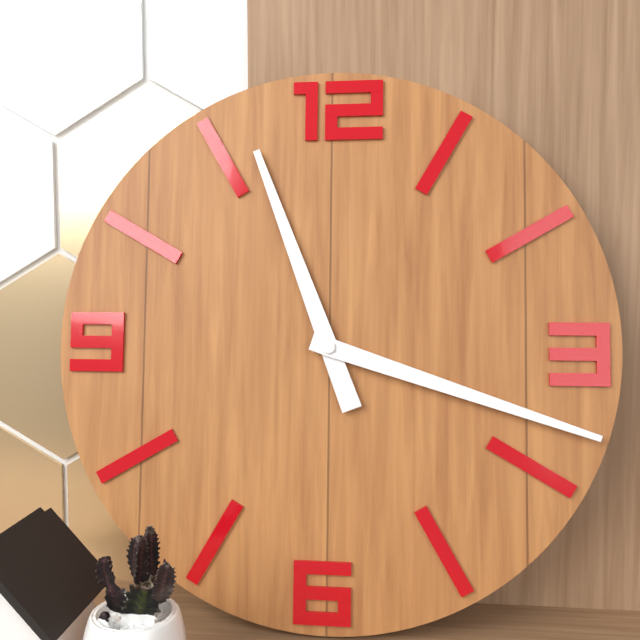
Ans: 11:18
